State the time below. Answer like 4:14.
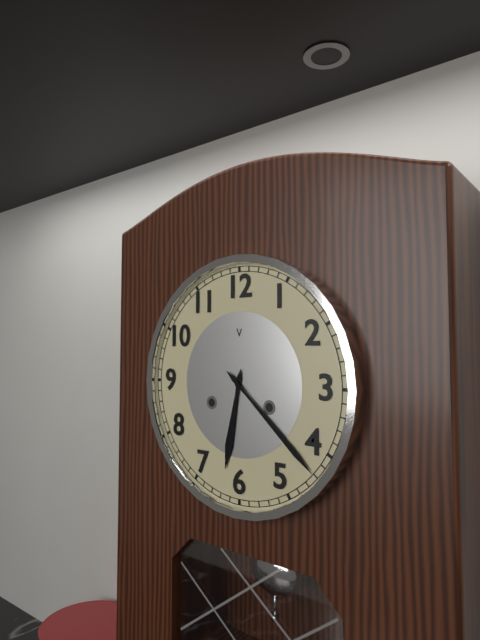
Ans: 6:22
